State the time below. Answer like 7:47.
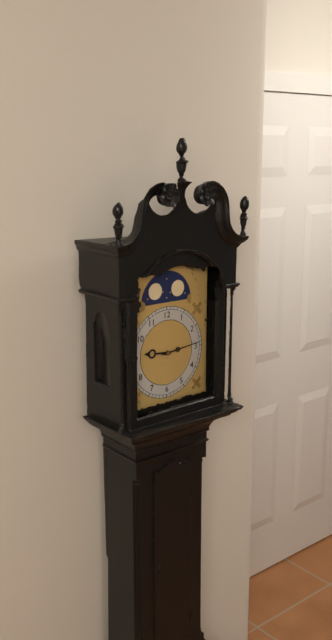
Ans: 9:14
